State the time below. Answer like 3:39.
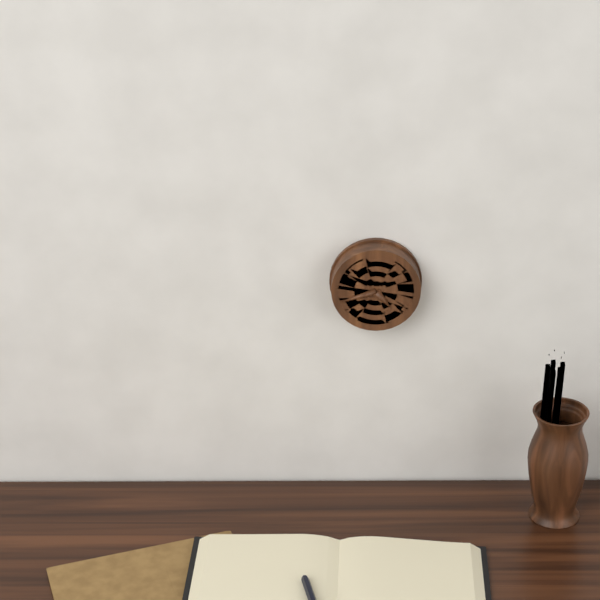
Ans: 4:42
